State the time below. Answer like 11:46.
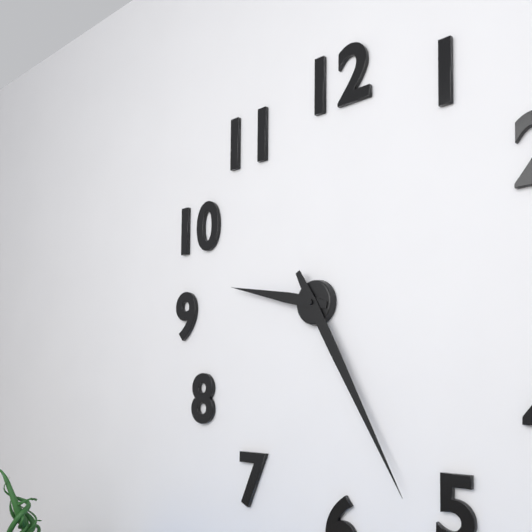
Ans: 9:25
